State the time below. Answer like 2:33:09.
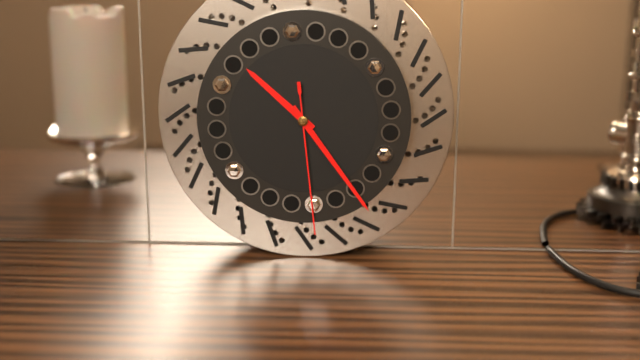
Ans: 10:24:29
